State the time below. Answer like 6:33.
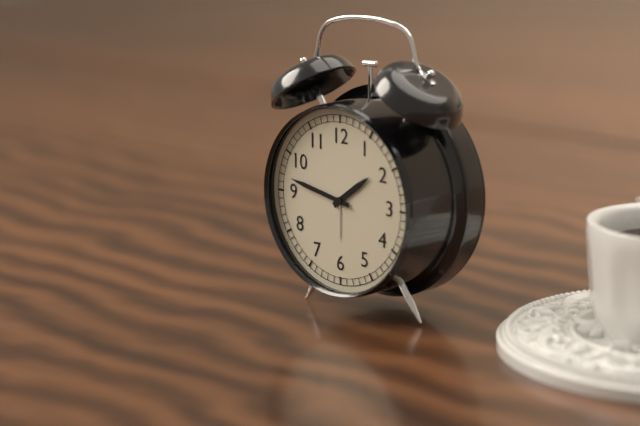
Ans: 1:47
